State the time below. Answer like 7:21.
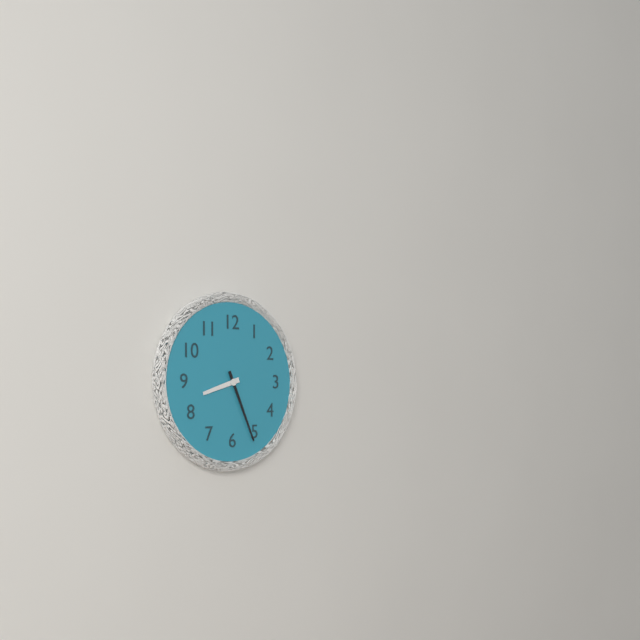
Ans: 8:26
